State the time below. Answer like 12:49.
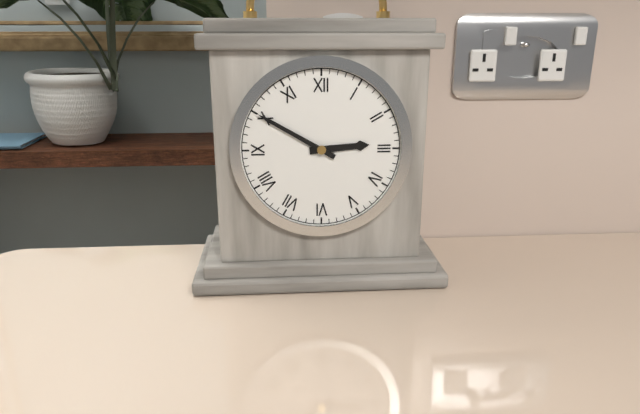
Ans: 2:50
